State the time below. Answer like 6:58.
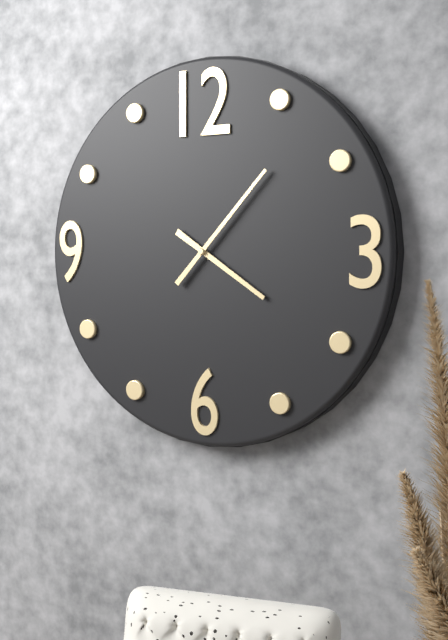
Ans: 4:07
